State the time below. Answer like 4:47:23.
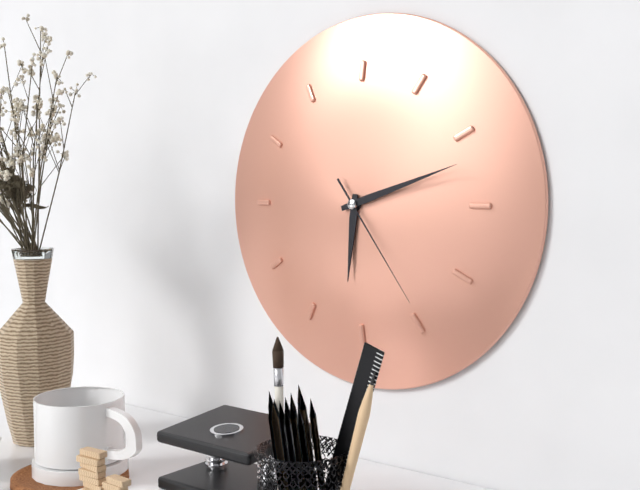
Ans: 6:12:24
